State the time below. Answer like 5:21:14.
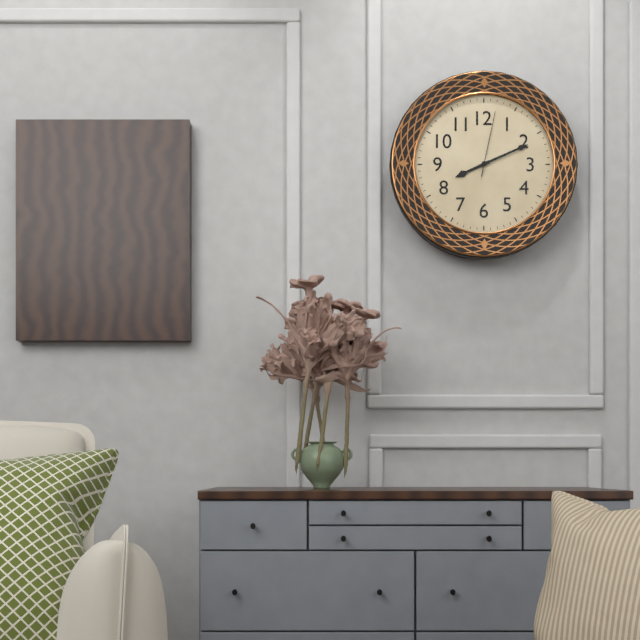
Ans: 8:11:02
